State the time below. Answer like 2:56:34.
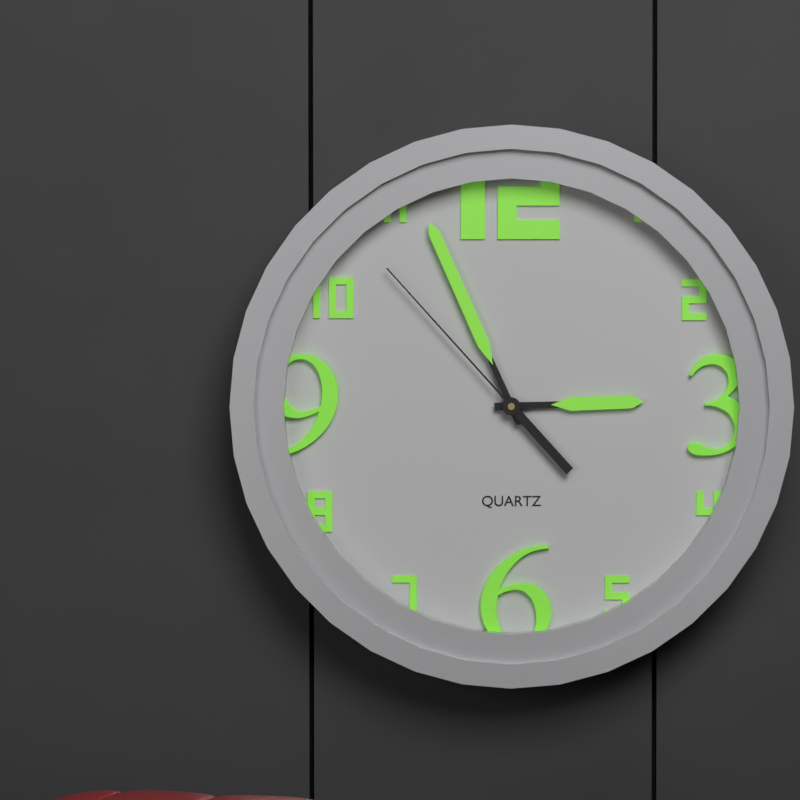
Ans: 2:56:53
